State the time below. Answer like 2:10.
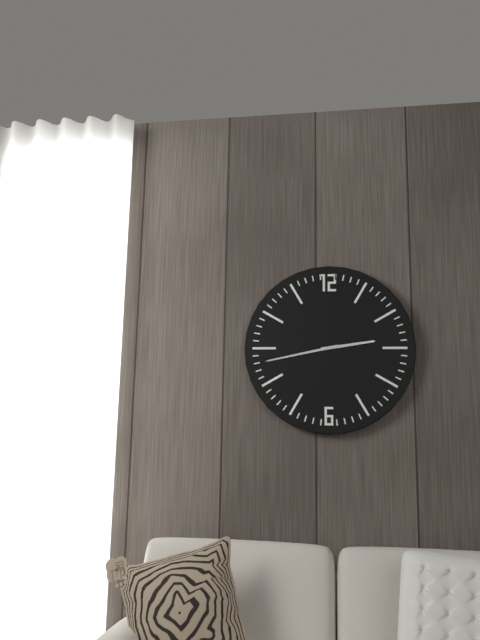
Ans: 2:43
